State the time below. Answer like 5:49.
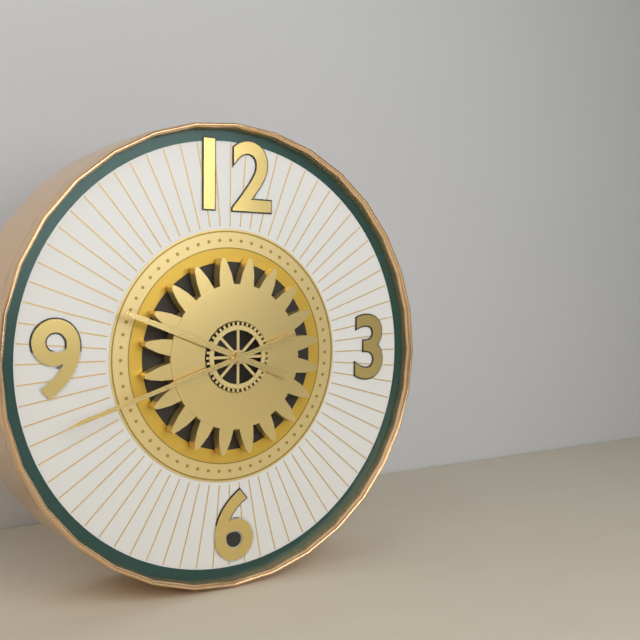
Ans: 9:42
